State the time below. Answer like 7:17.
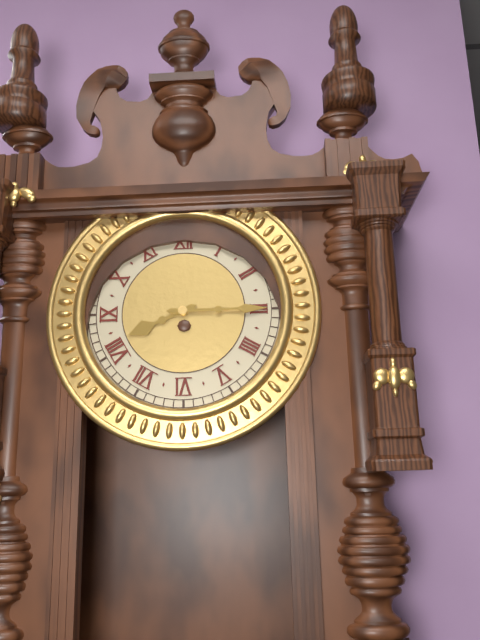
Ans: 8:15
